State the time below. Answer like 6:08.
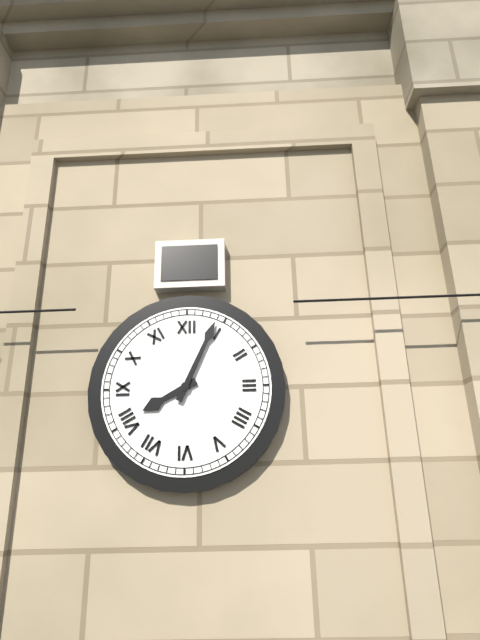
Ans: 8:04
